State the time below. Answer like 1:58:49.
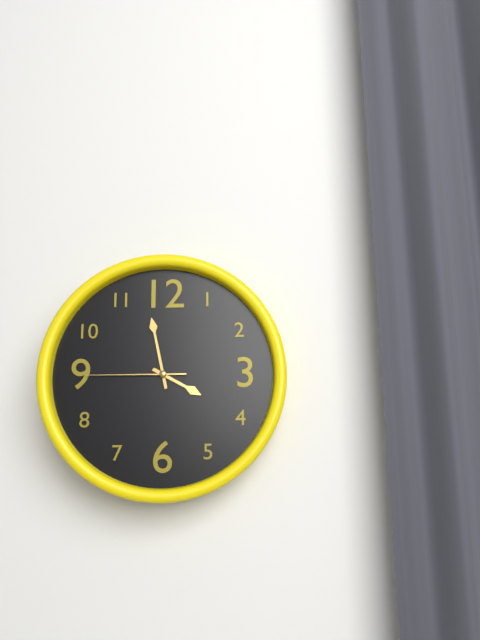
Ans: 3:58:45
